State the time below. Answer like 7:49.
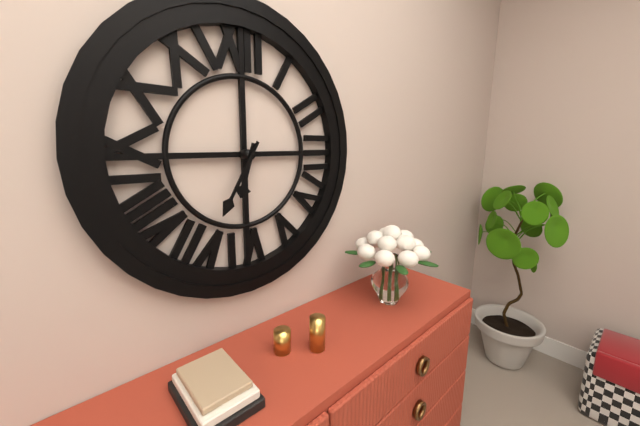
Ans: 6:35
